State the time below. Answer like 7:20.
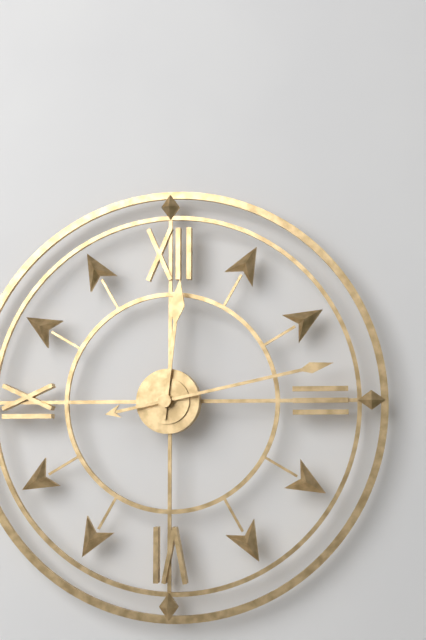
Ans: 12:13
